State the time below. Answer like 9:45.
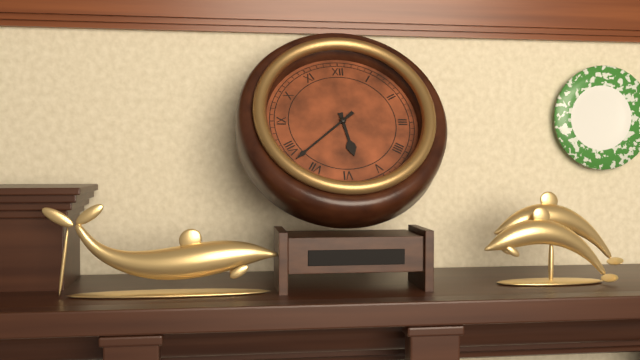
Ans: 5:38
